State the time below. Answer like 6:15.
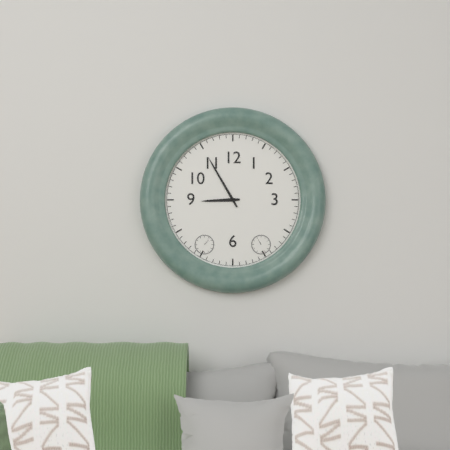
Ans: 8:55
